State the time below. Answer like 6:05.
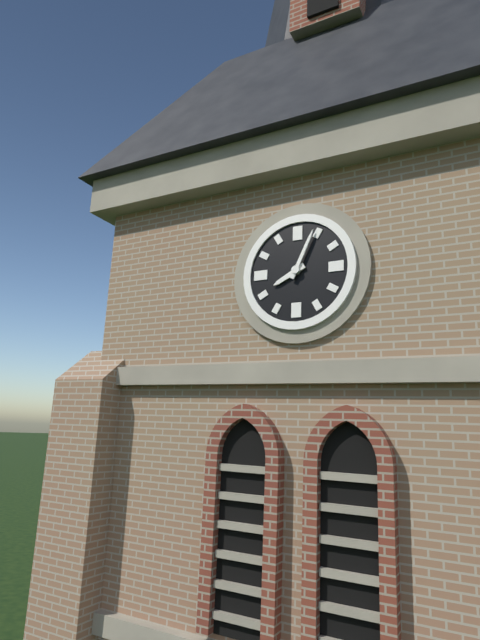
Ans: 8:04
